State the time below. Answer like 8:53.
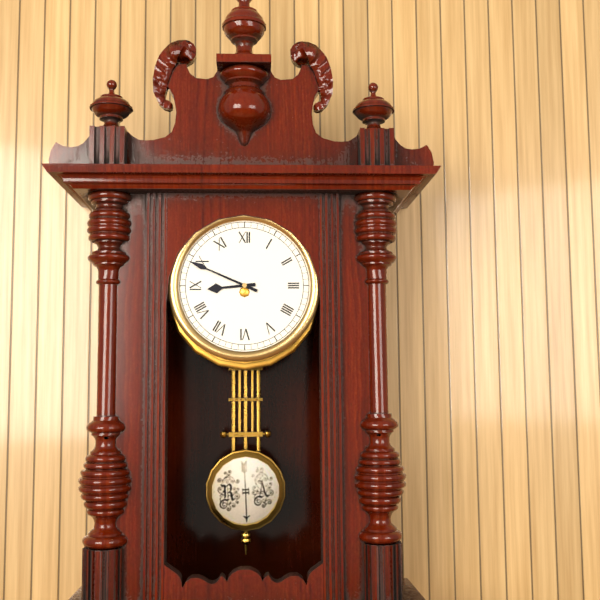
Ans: 8:49
